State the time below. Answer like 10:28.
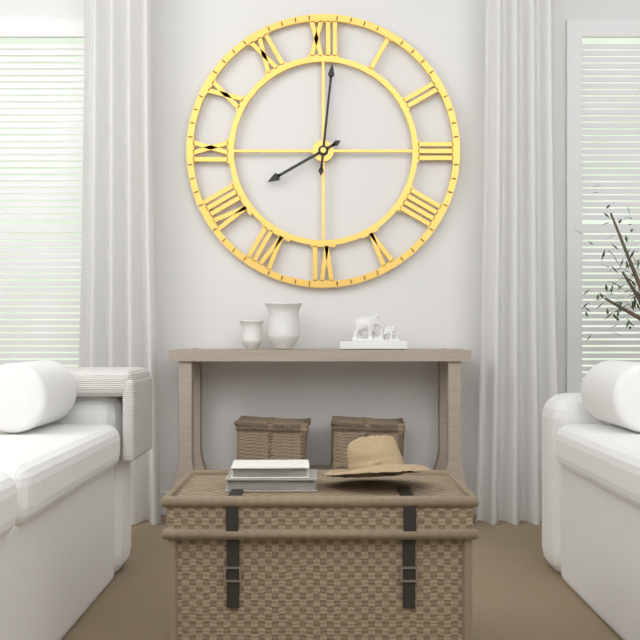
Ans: 8:01
